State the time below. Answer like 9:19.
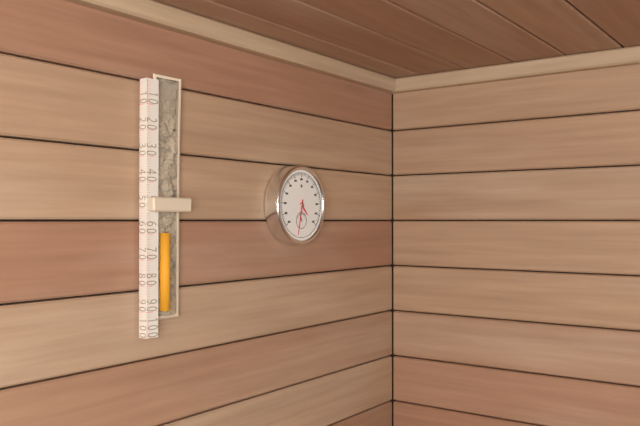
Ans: 4:32
